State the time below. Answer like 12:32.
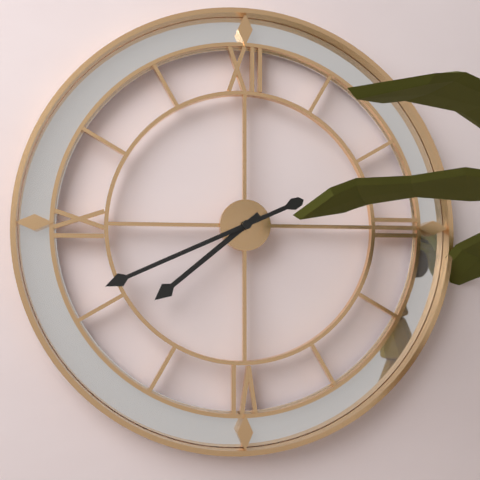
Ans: 7:41
